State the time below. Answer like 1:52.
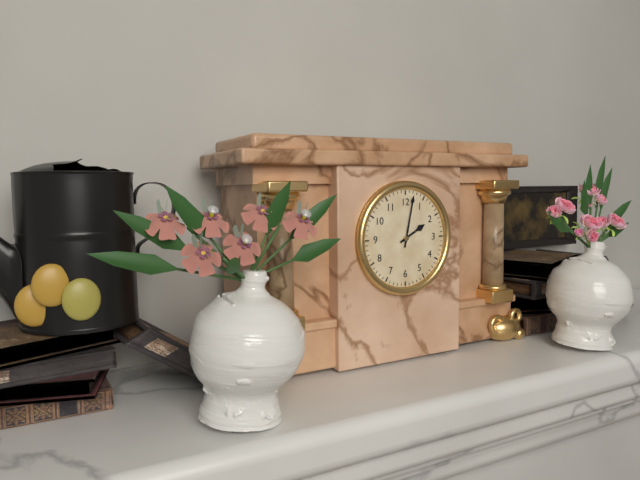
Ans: 2:02
